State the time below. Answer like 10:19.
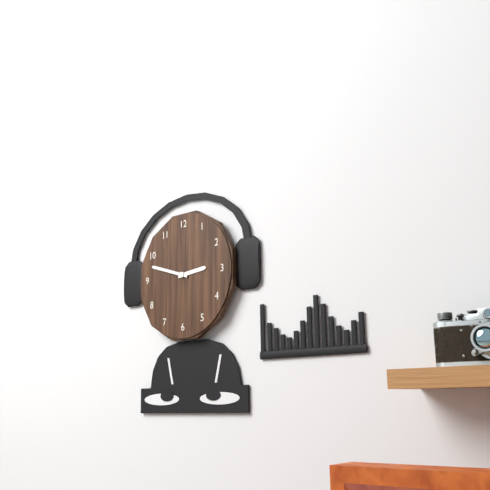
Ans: 2:48
